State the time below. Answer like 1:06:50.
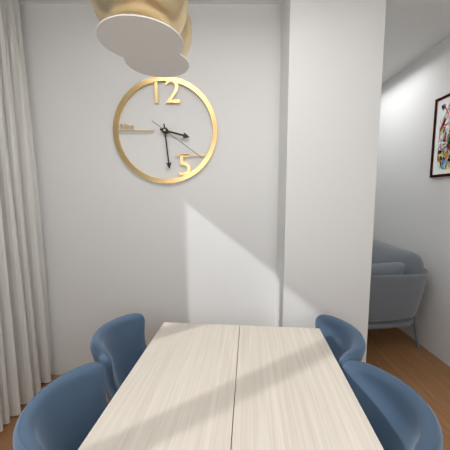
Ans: 3:29:21
